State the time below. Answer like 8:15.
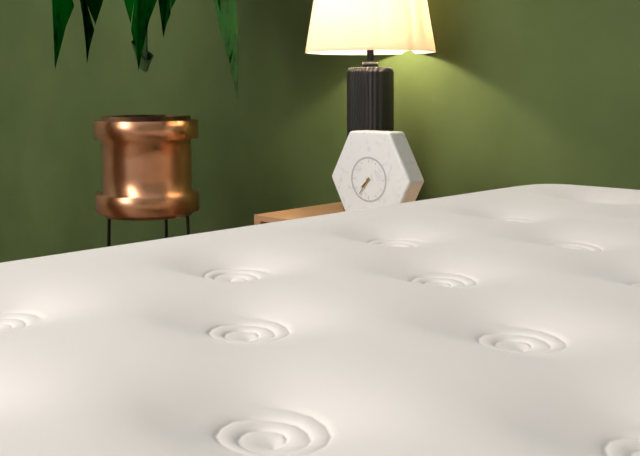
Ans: 7:36
